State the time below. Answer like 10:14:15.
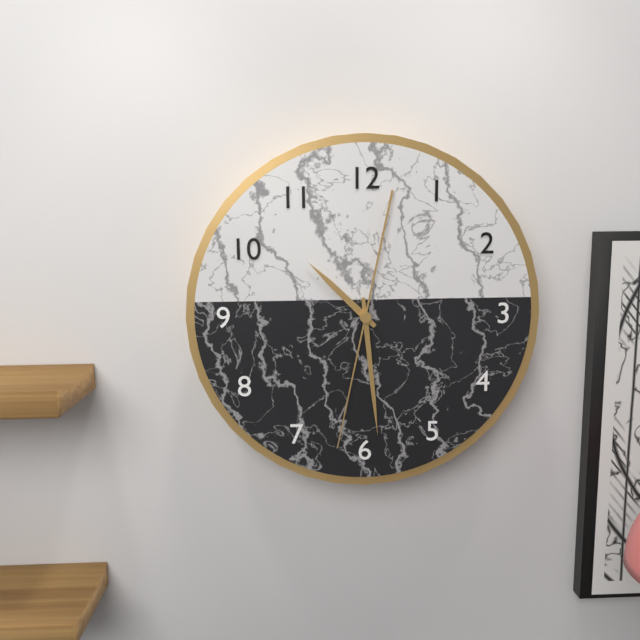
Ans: 10:29:32
